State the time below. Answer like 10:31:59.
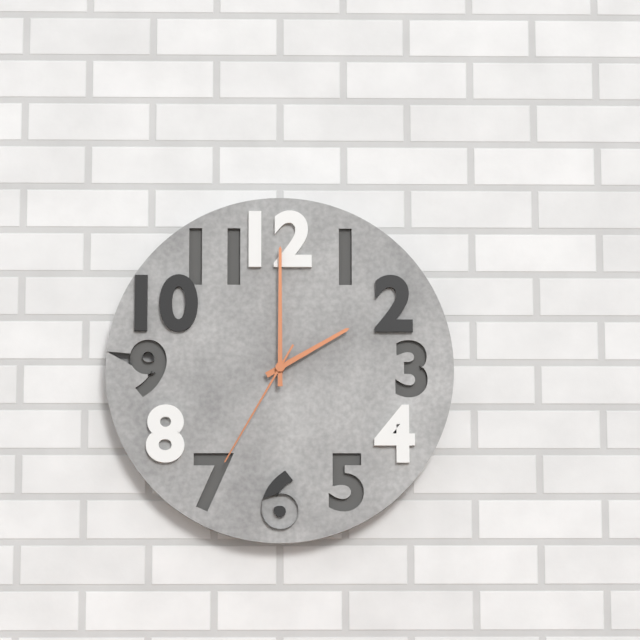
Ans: 2:00:35
